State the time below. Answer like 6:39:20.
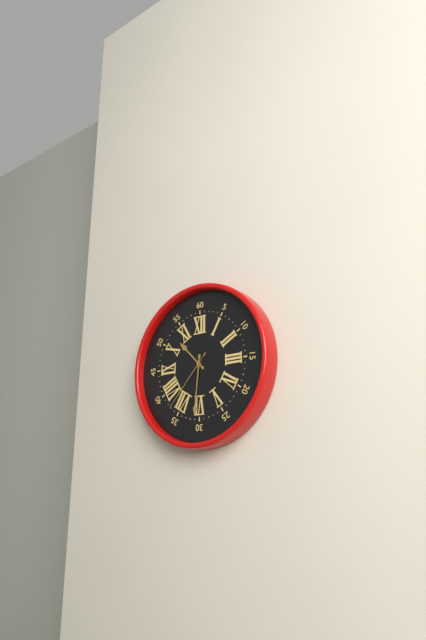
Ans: 10:31:37
